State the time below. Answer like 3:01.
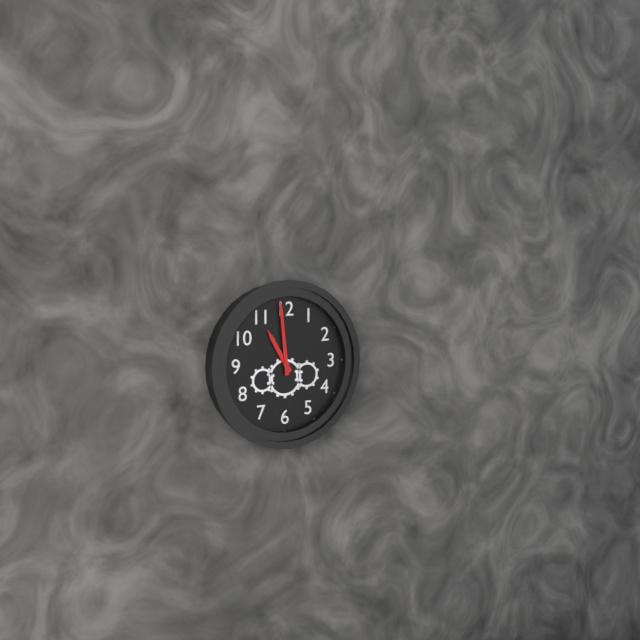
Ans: 10:59
